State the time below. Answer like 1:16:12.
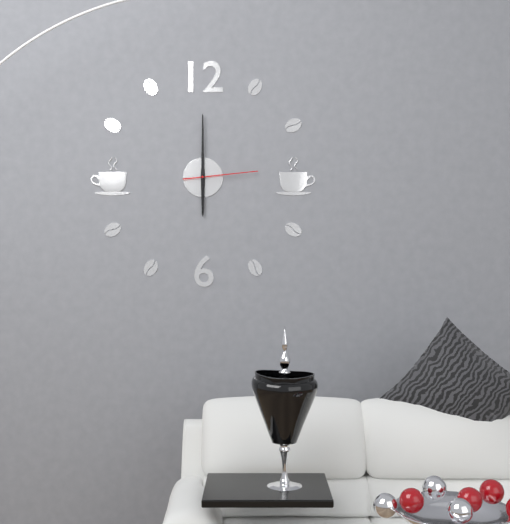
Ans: 6:00:14
